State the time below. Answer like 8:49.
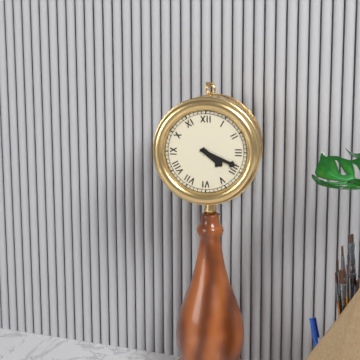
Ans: 4:19
